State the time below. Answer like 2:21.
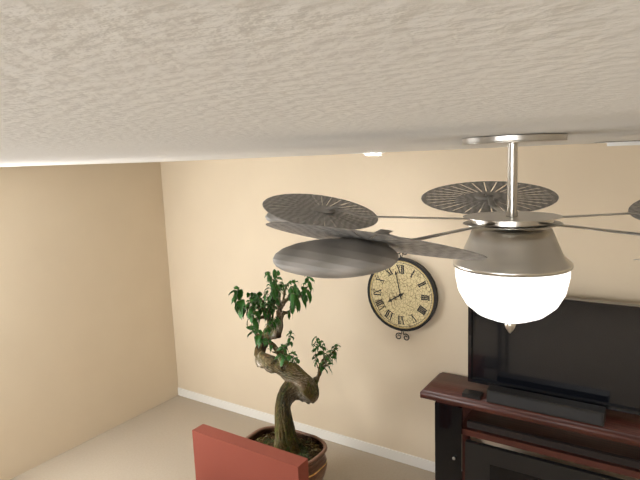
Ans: 7:58
